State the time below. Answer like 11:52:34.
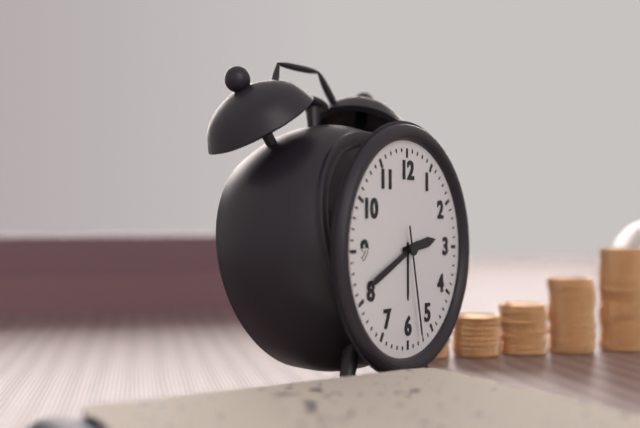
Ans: 2:41:28
